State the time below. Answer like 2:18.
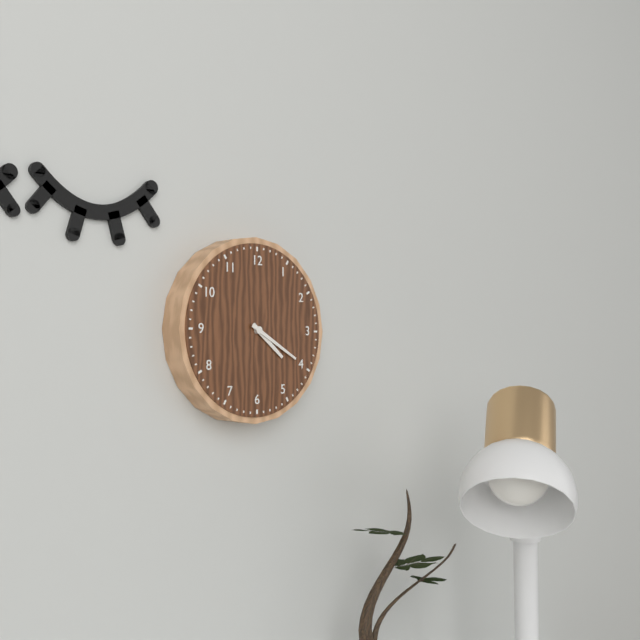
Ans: 4:20
